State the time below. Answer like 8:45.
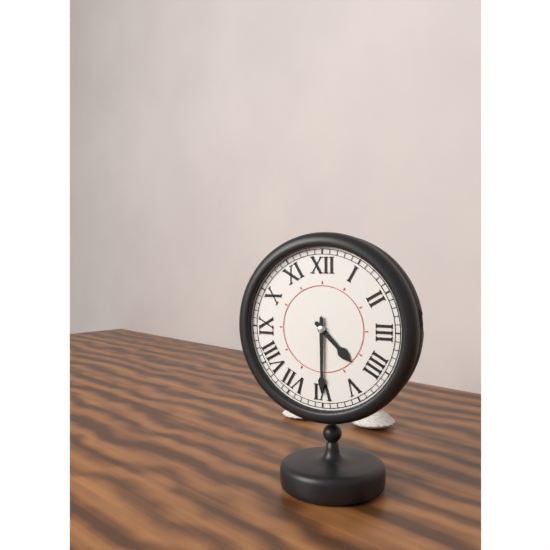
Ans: 4:30
